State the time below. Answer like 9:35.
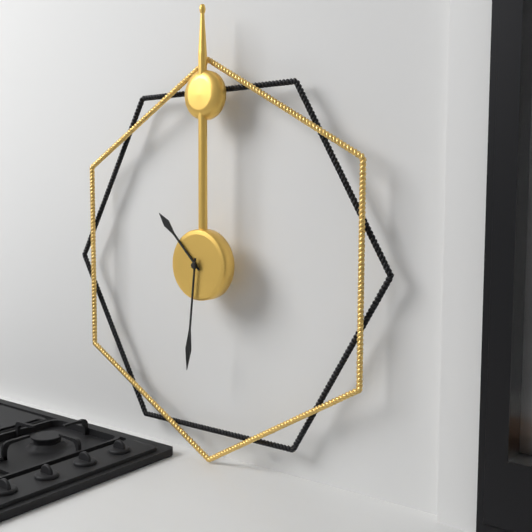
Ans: 10:31
